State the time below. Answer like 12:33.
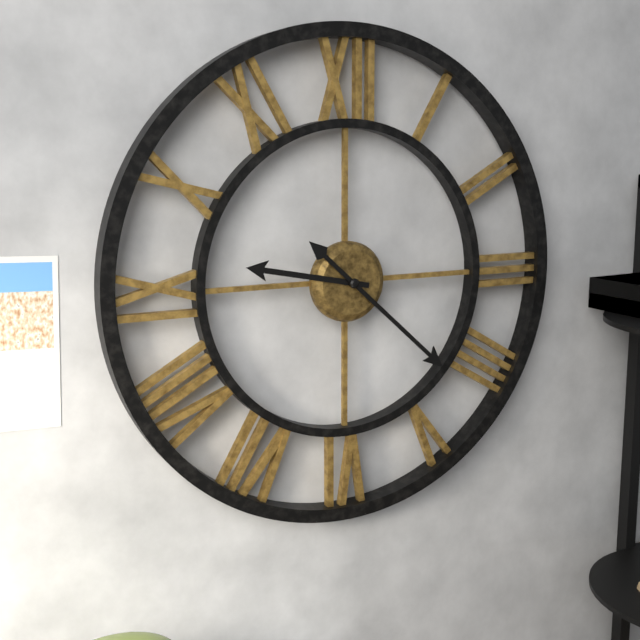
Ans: 9:22
